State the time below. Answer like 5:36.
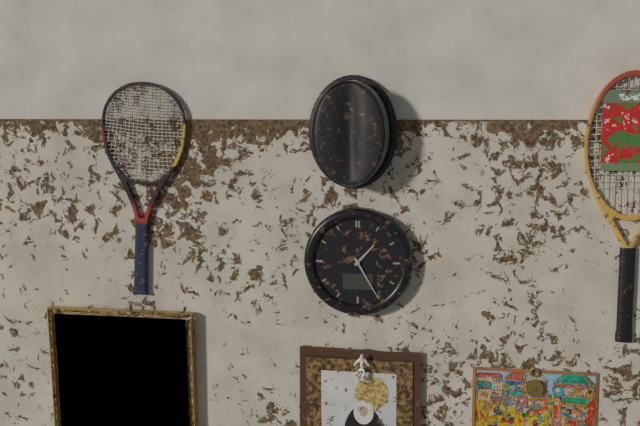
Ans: 1:25
